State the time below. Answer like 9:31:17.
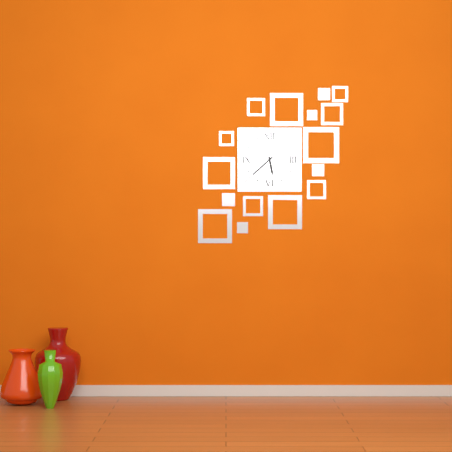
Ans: 5:38:38
